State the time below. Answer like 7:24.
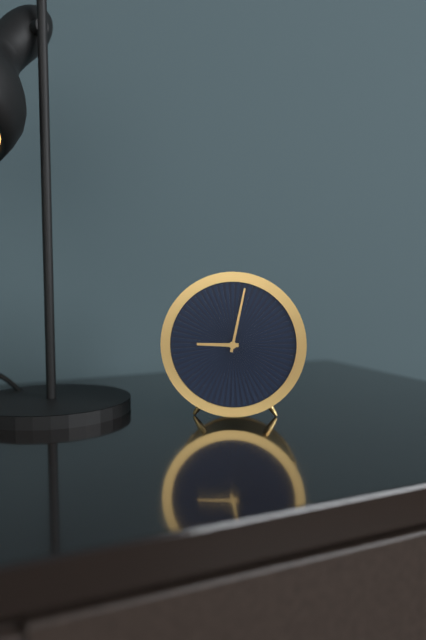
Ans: 9:02
